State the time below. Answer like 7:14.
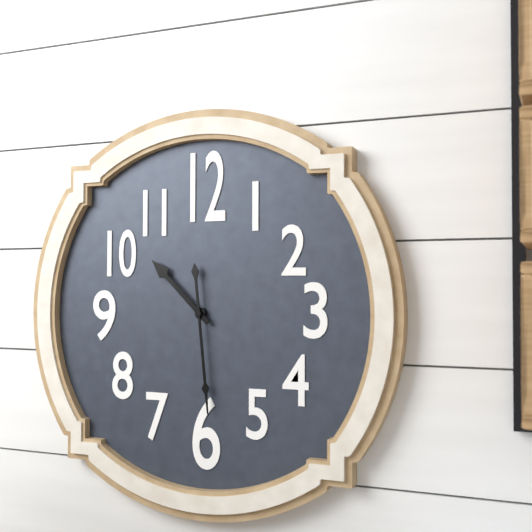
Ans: 10:29
